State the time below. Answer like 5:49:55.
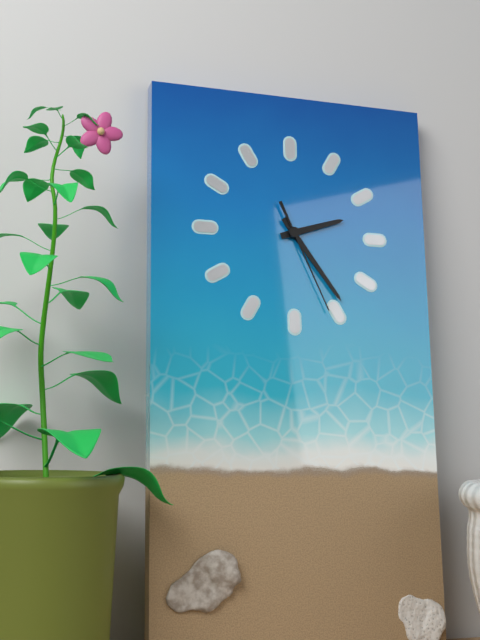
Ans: 2:24:26
